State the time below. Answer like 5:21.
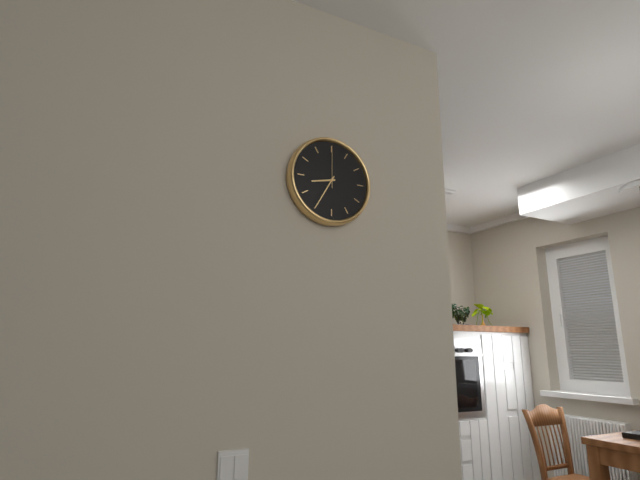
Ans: 8:35
